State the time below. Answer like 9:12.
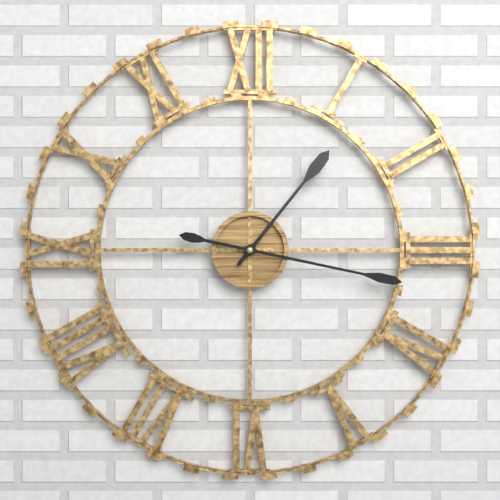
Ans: 1:17
